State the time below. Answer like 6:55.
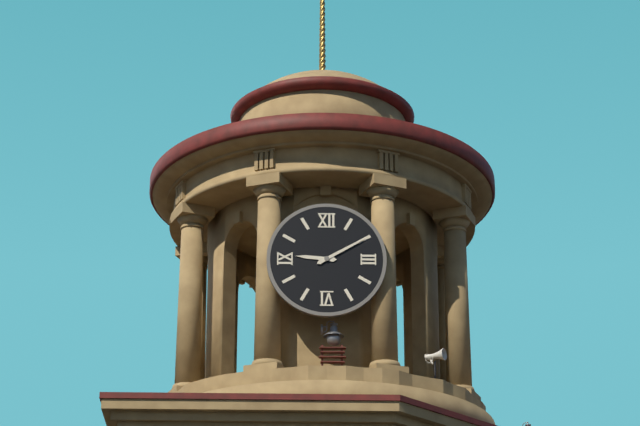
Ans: 9:10
